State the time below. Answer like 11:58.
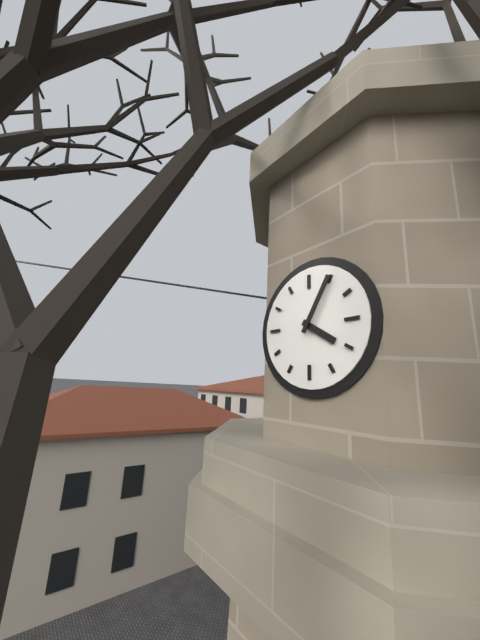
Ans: 4:05
